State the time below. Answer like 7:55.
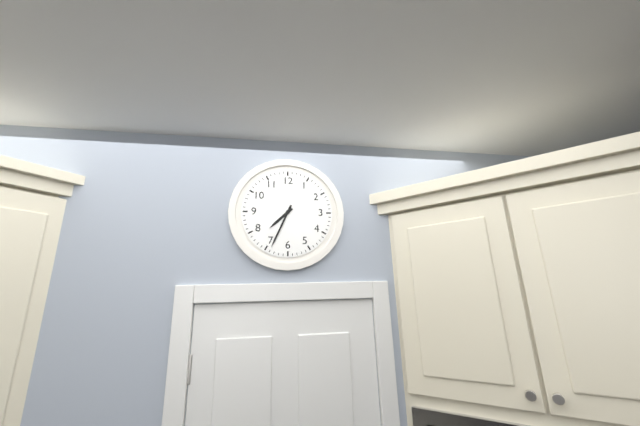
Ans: 7:34
